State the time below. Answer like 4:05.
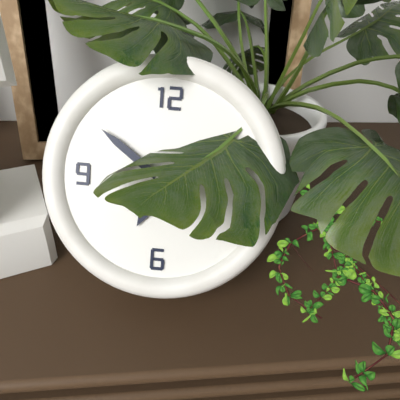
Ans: 6:51
